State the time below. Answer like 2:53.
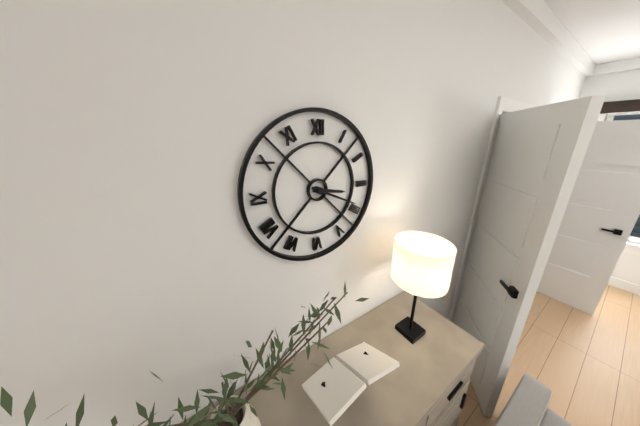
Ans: 3:19
